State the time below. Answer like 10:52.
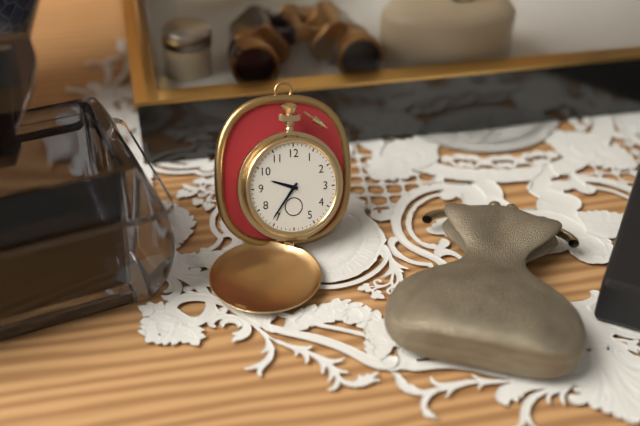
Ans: 9:36
